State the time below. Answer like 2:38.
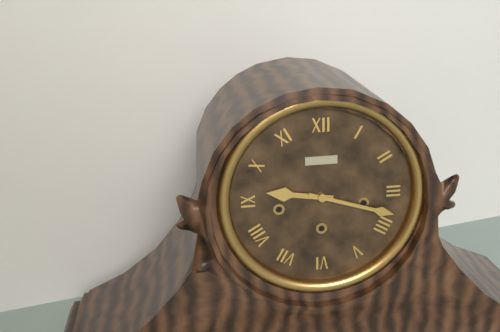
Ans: 9:18
